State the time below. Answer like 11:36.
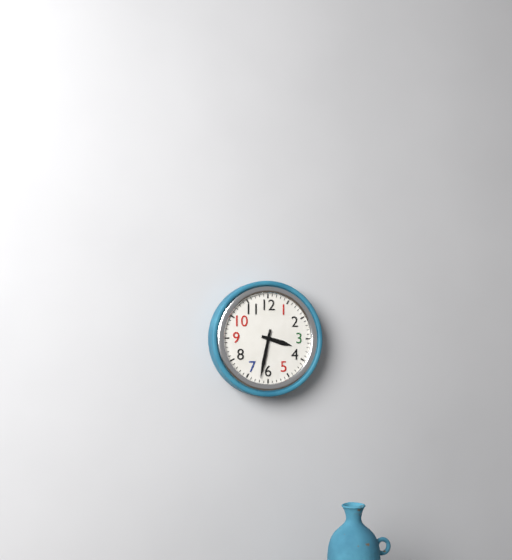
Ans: 3:32
